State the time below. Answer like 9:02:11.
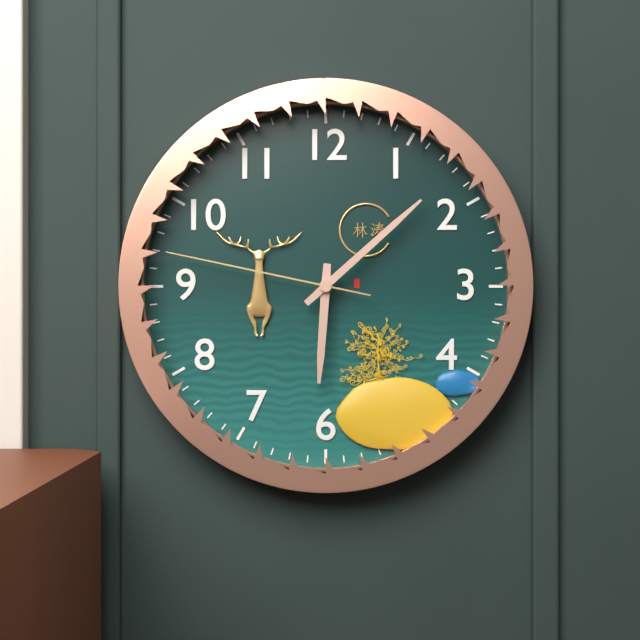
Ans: 6:08:47
